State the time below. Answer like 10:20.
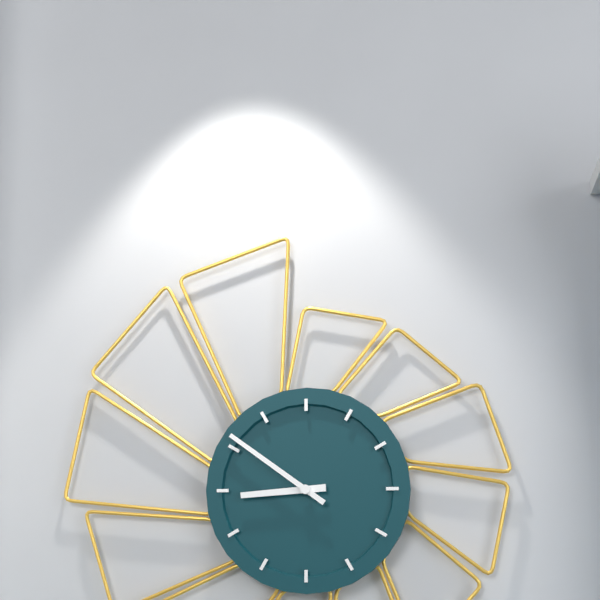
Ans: 8:51
